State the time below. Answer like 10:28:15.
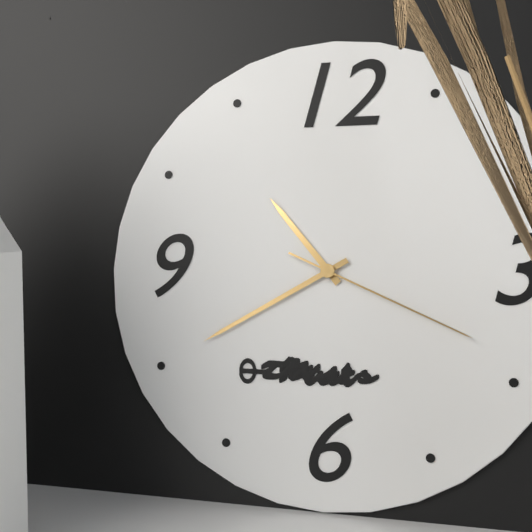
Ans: 10:40:19
